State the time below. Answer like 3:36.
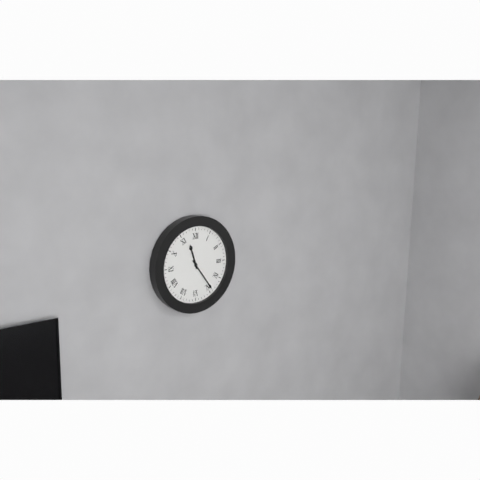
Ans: 11:24
